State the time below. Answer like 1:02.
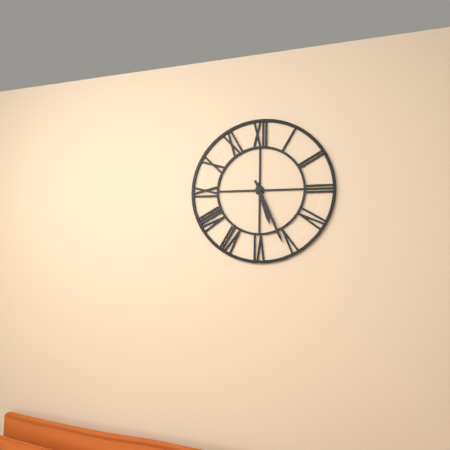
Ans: 5:26
